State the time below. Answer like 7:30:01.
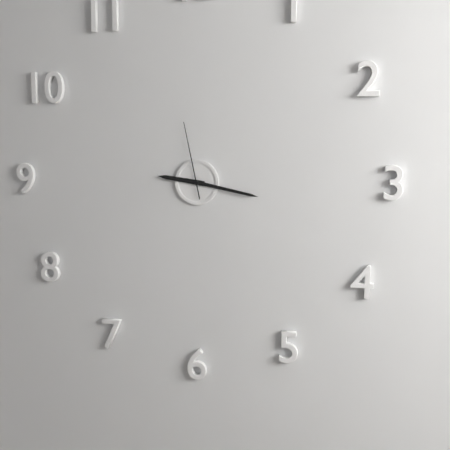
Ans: 9:17:58
